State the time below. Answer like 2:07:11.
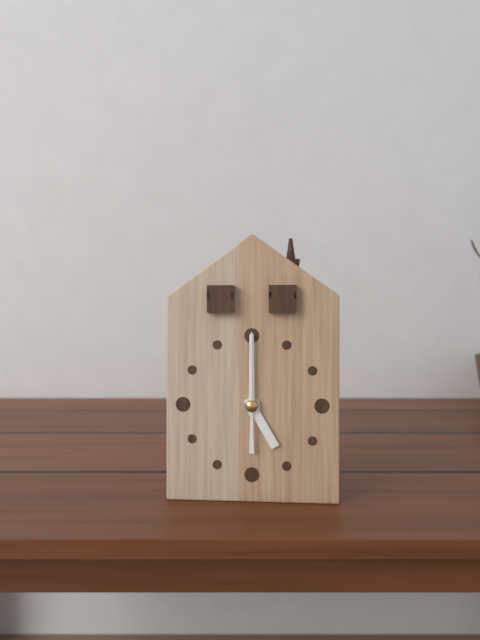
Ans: 5:00:00
